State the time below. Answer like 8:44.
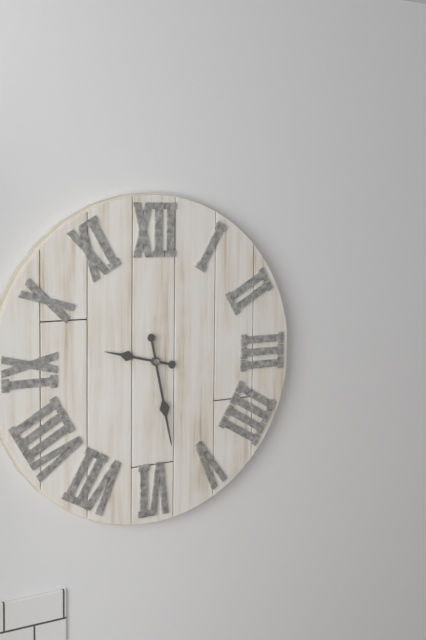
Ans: 9:28
